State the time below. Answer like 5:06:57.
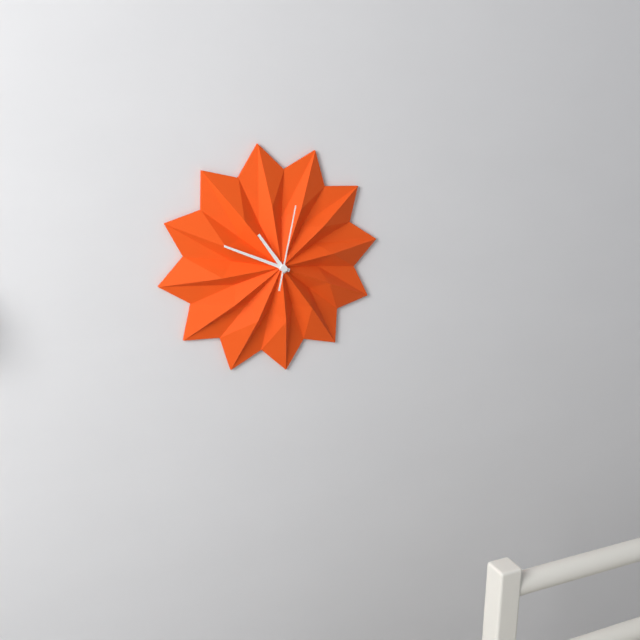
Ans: 10:49:02
